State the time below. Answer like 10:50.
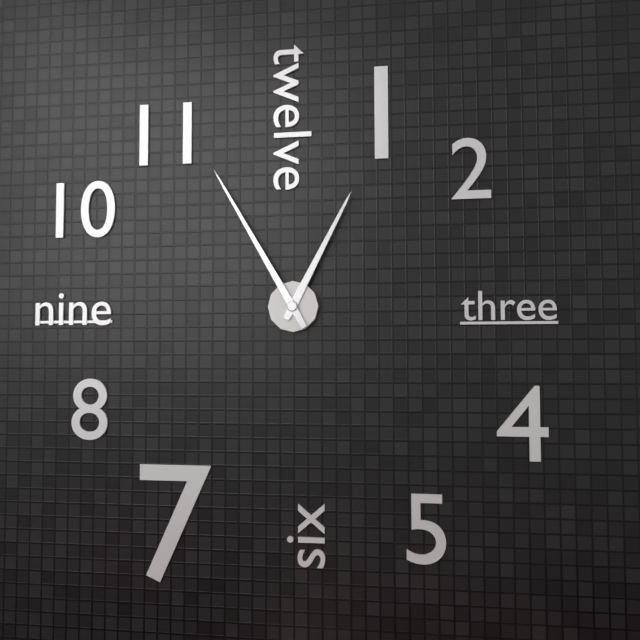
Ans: 12:55
